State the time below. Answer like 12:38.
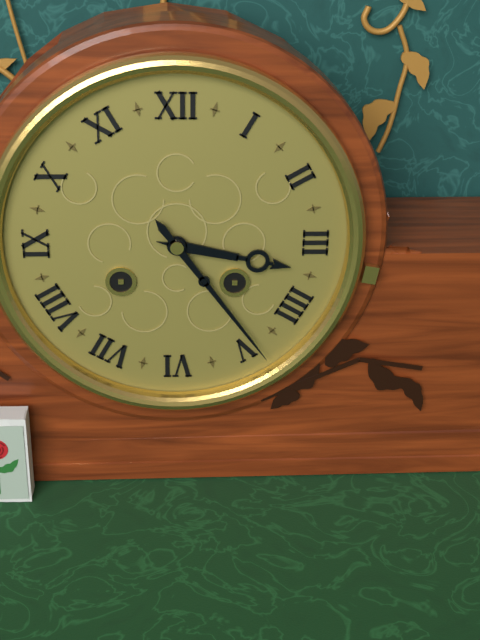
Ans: 3:24
